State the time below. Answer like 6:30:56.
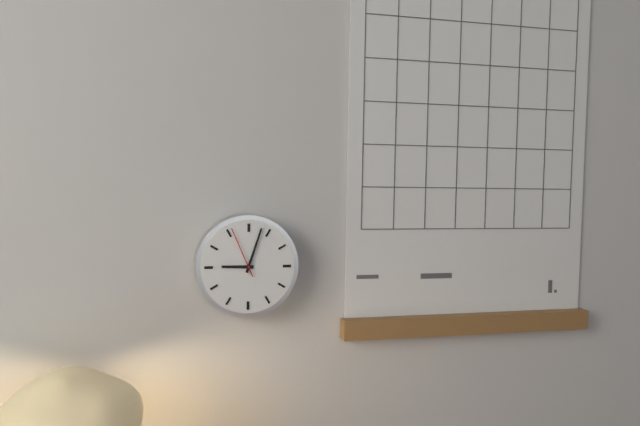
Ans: 9:03:56
